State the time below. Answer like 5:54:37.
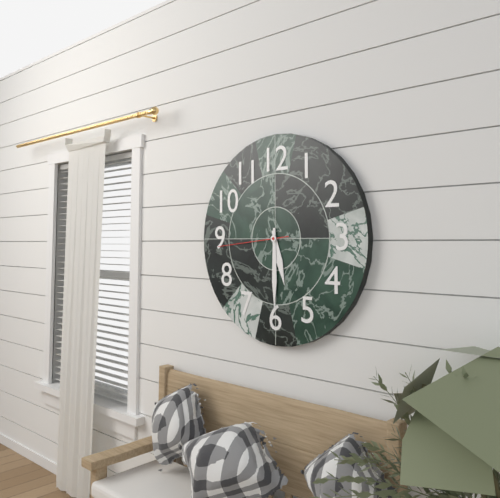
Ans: 5:30:44
